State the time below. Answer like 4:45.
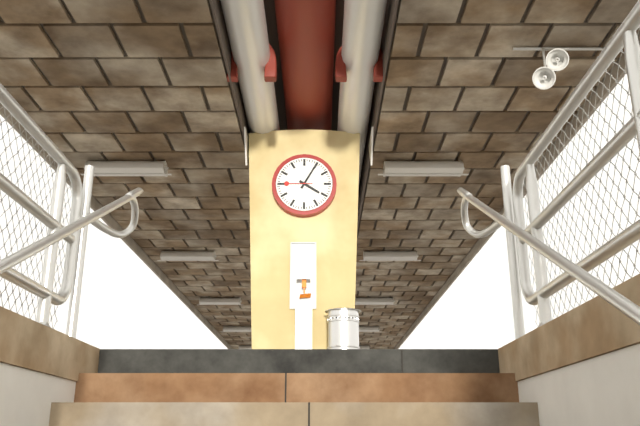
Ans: 4:05
